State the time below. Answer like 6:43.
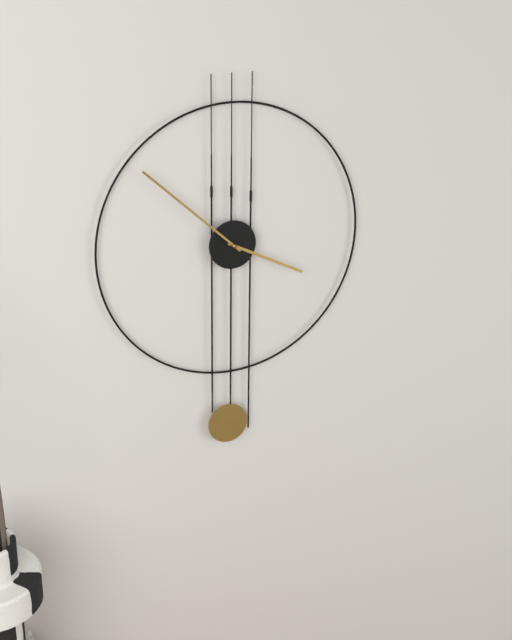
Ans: 3:52
